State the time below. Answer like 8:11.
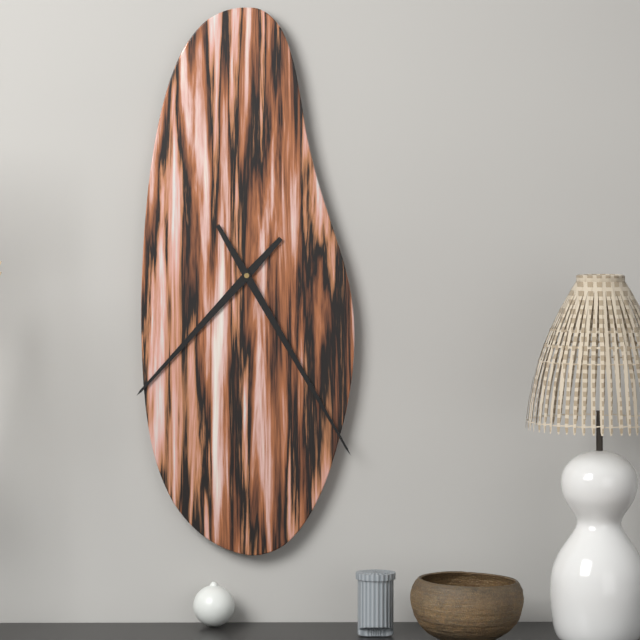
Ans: 7:25
